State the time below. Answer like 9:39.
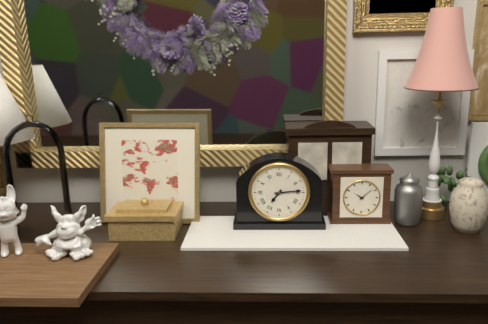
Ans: 7:14
